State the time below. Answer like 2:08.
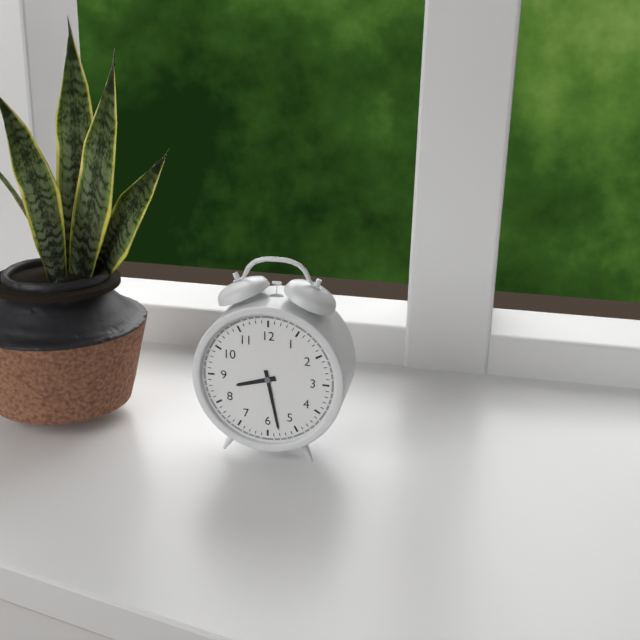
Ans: 8:28
